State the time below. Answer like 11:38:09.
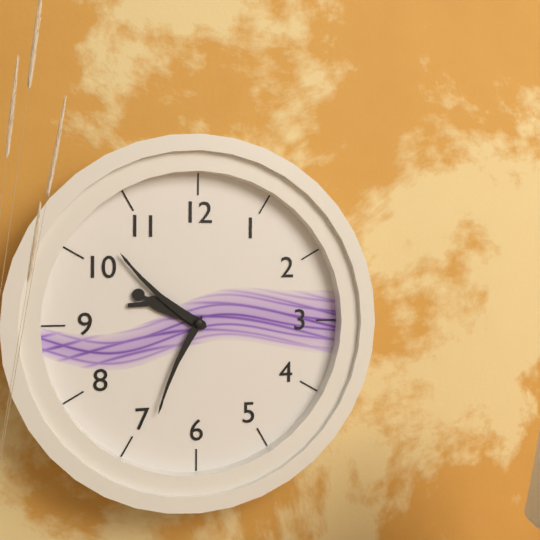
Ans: 9:52:34
